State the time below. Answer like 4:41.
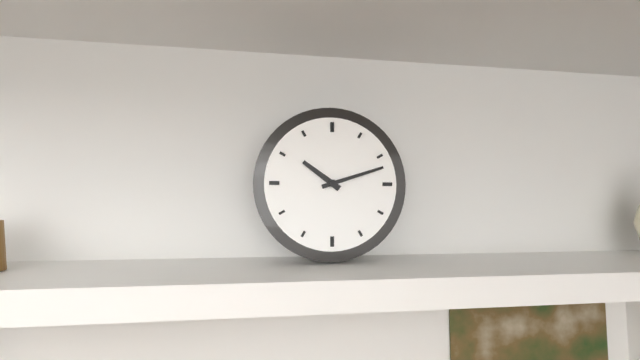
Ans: 10:12
